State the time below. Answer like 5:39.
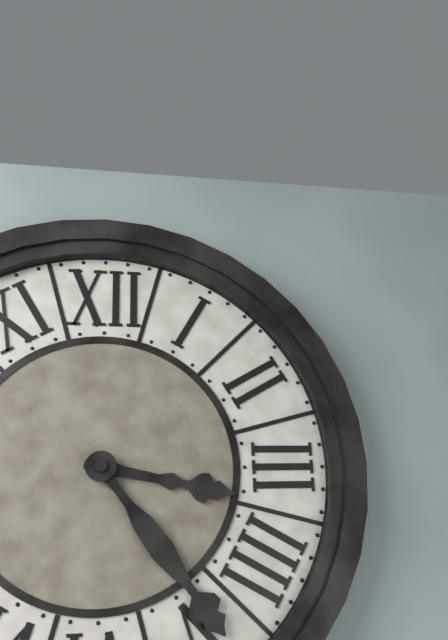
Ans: 3:24
